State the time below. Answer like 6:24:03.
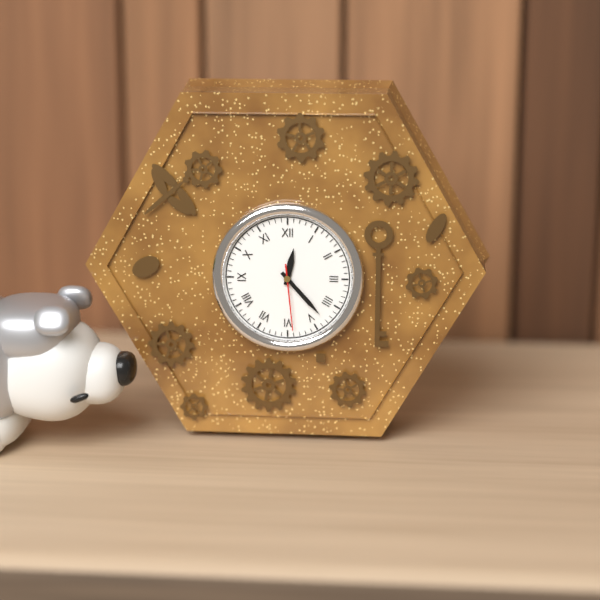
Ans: 12:23:29
